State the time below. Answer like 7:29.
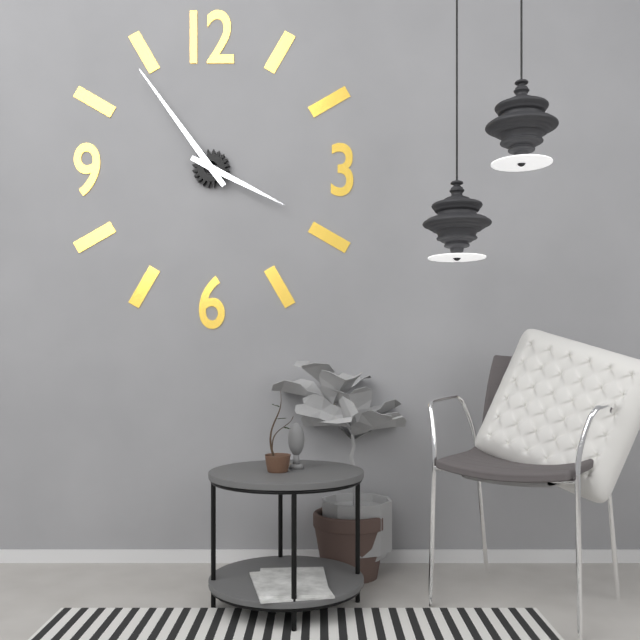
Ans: 3:54
